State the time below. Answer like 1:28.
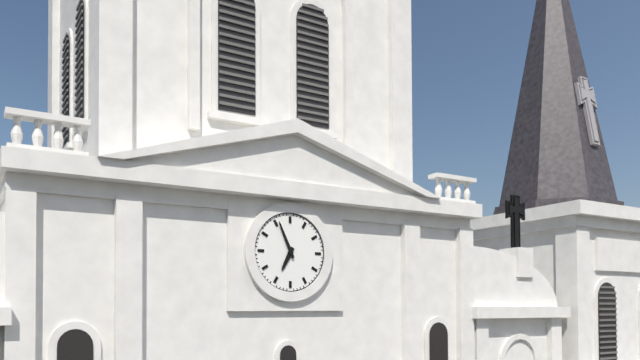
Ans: 6:56
